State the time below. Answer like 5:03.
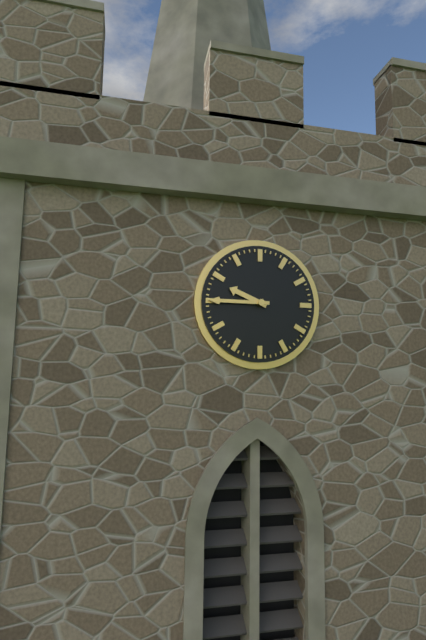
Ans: 9:45
